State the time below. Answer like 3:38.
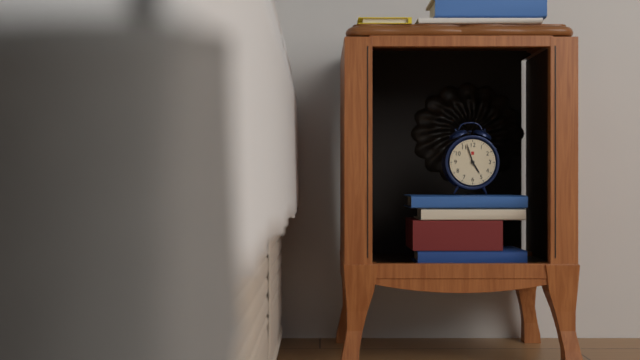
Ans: 4:57
